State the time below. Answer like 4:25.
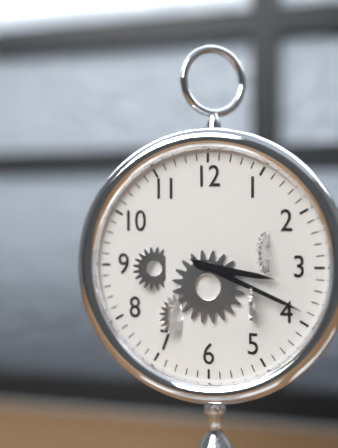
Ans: 3:19
